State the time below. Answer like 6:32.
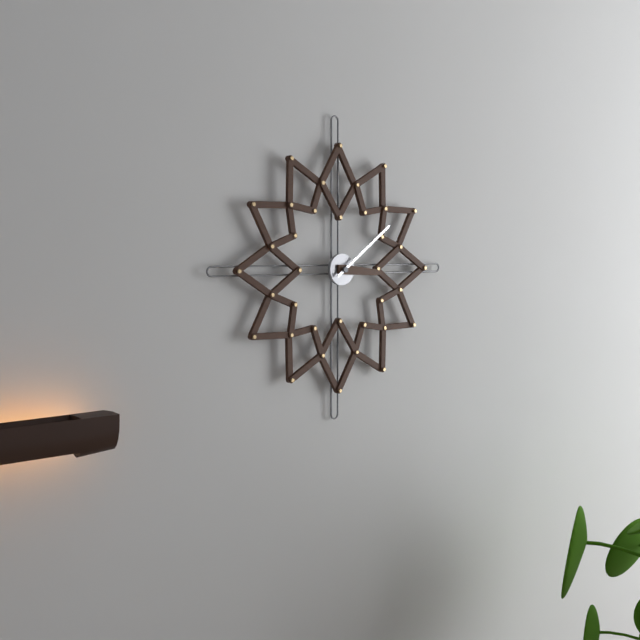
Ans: 3:09
